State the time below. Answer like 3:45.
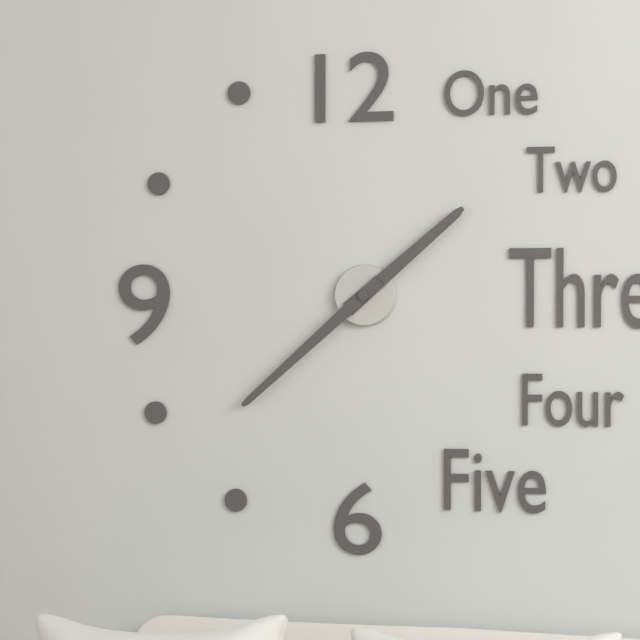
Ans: 1:38
